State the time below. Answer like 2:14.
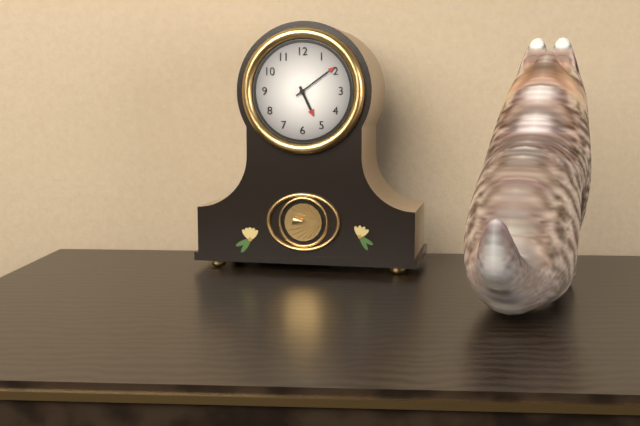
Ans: 5:09
